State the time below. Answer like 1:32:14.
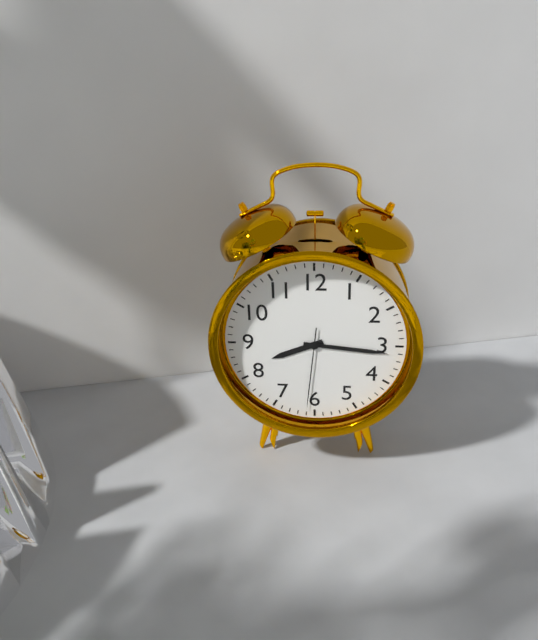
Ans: 8:16:31
